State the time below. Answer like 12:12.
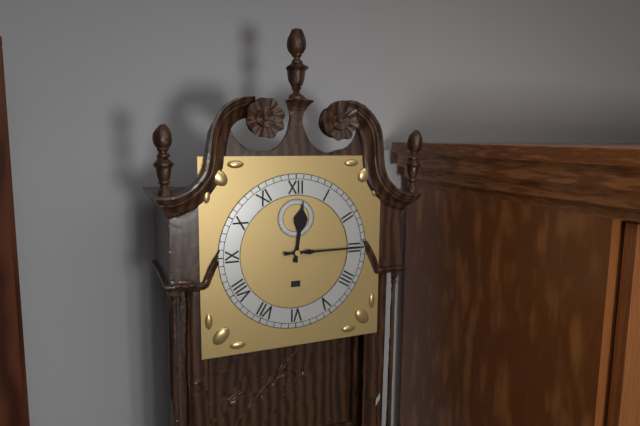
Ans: 12:15
